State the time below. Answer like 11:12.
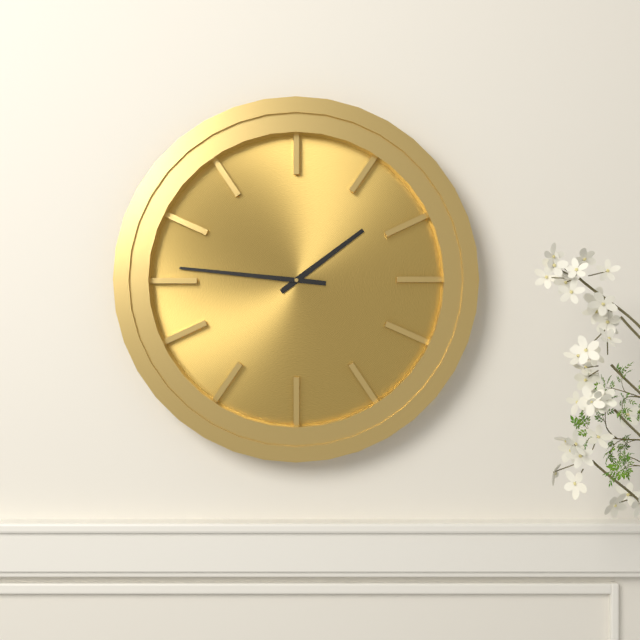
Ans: 1:46
